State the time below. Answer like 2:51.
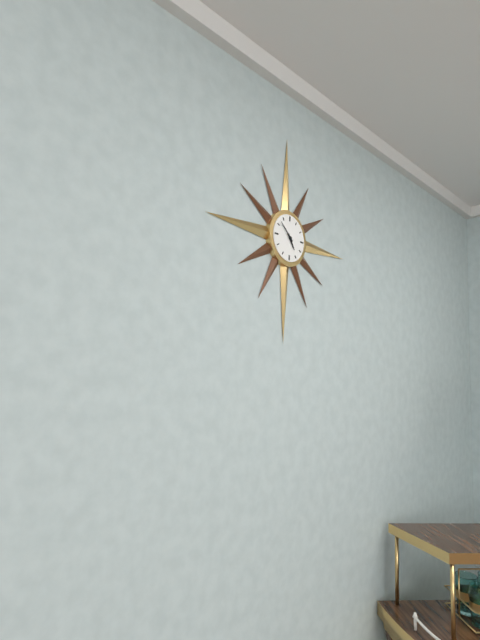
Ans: 4:52
